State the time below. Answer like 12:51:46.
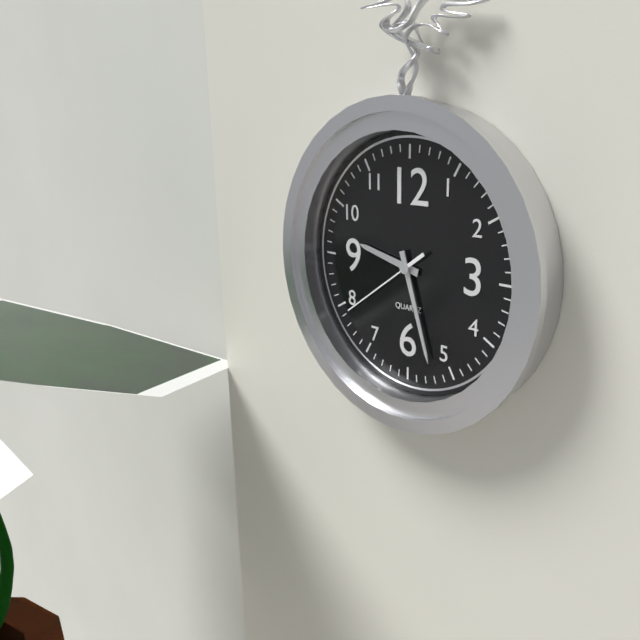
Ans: 9:27:39
